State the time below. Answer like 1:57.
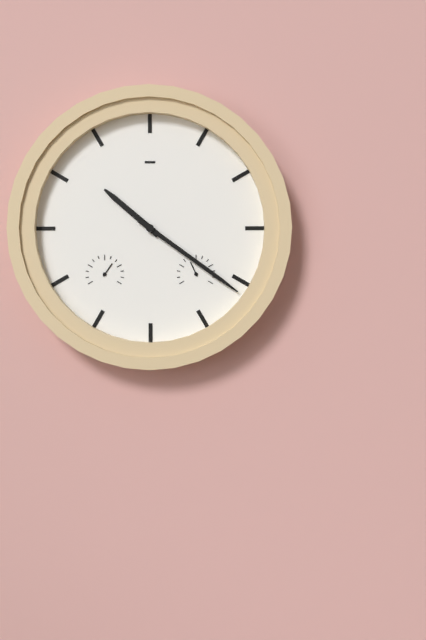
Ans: 10:21
